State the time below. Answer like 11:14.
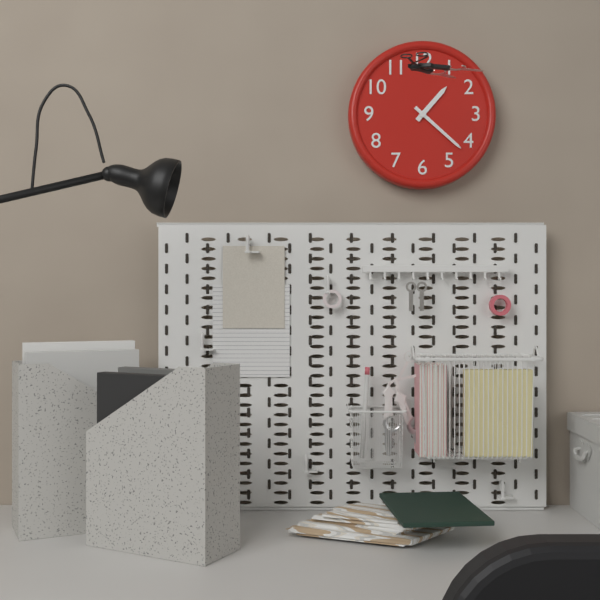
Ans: 1:22
